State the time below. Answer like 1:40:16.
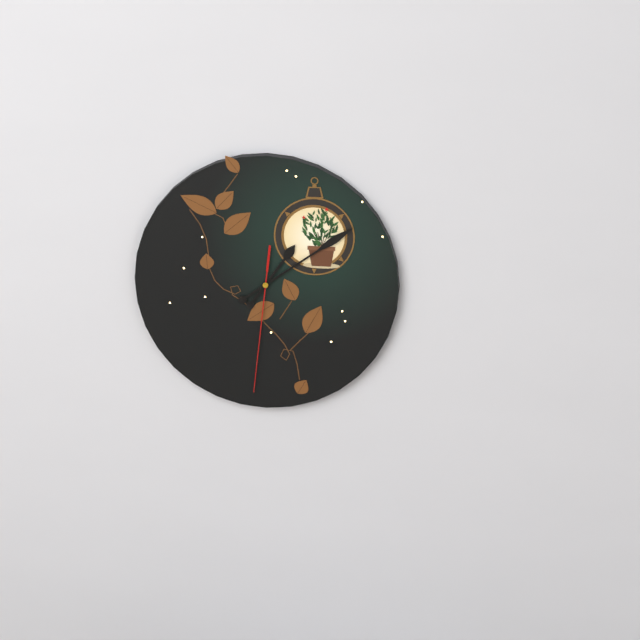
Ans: 1:09:31
